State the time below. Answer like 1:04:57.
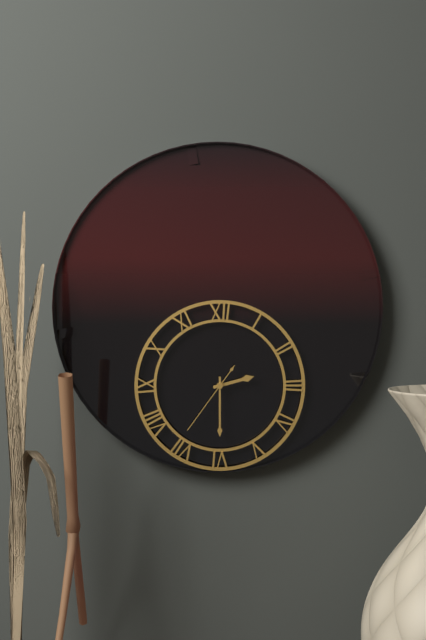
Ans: 2:30:36
